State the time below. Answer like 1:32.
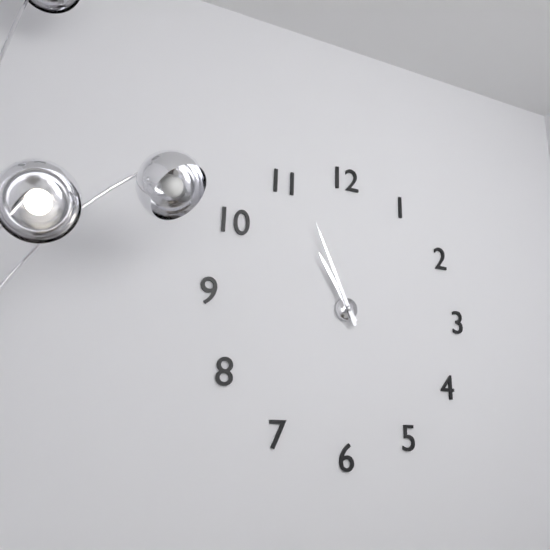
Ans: 10:56
